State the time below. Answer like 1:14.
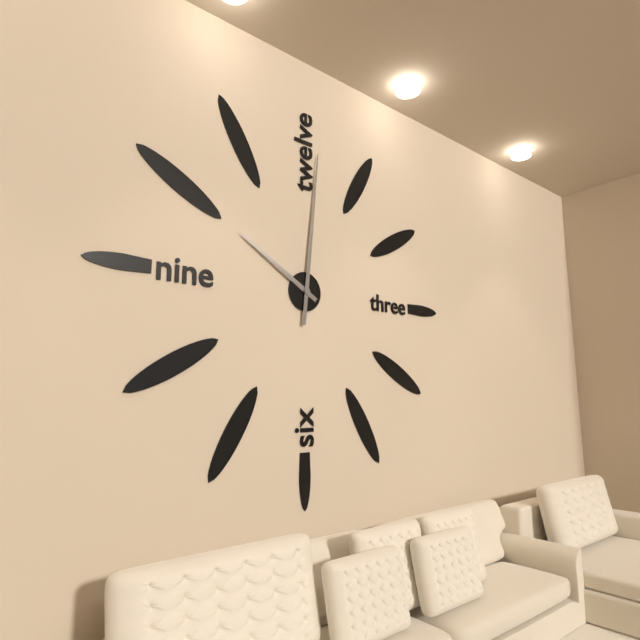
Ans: 10:01
